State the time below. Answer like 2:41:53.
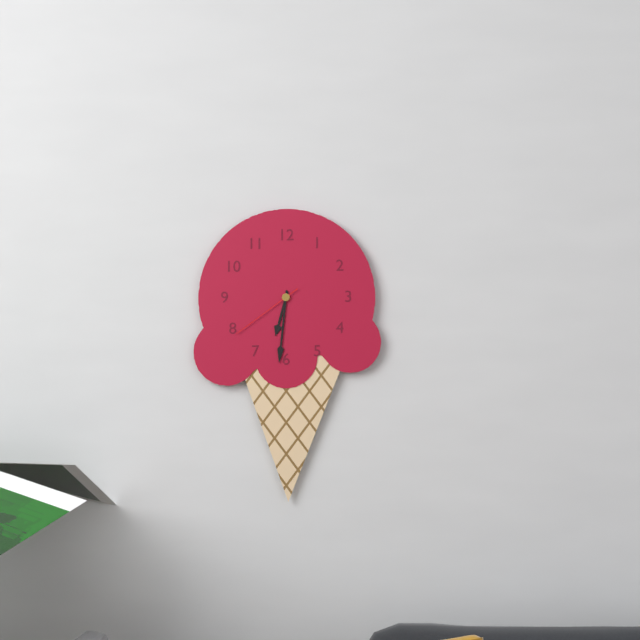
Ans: 6:31:39
